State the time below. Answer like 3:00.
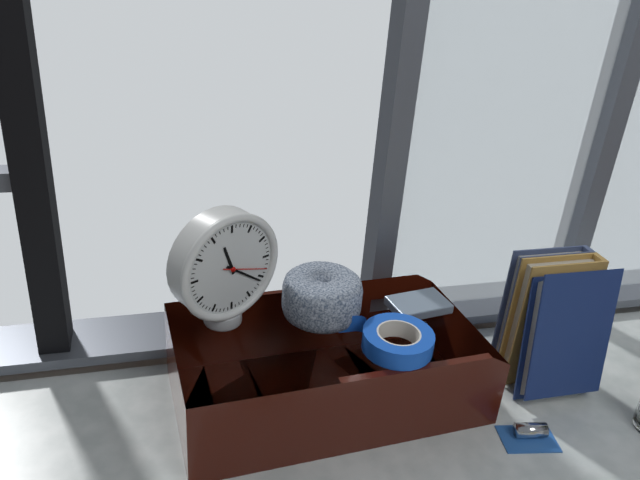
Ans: 11:21
